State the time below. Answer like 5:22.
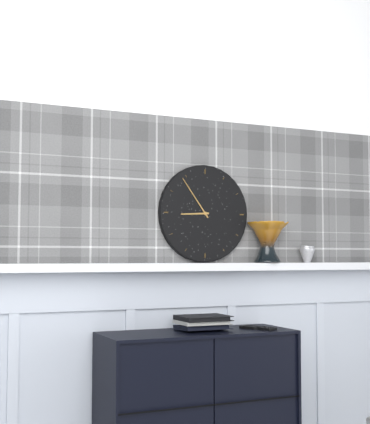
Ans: 8:54
